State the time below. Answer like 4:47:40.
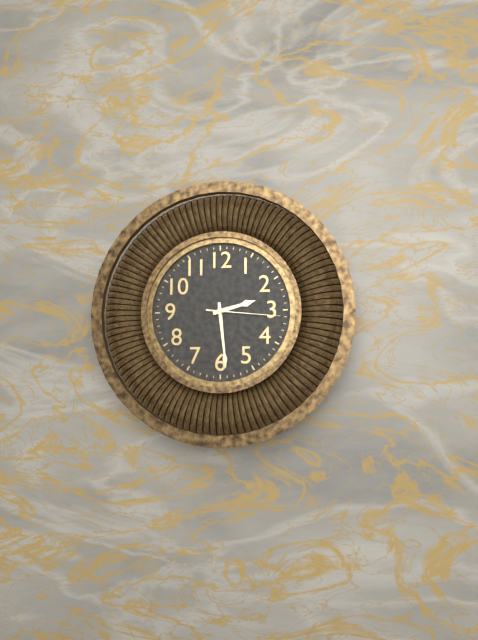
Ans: 2:29:16
